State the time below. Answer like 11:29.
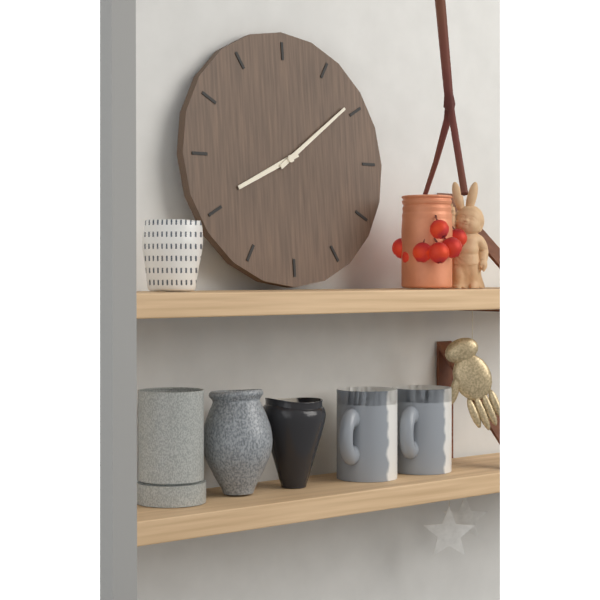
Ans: 8:09
